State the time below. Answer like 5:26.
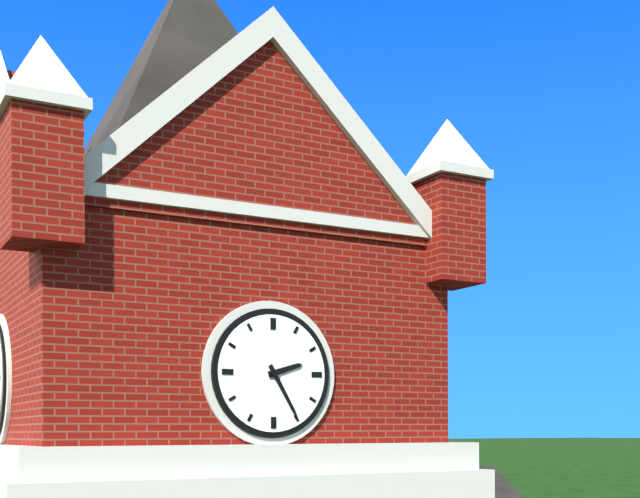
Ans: 2:25
